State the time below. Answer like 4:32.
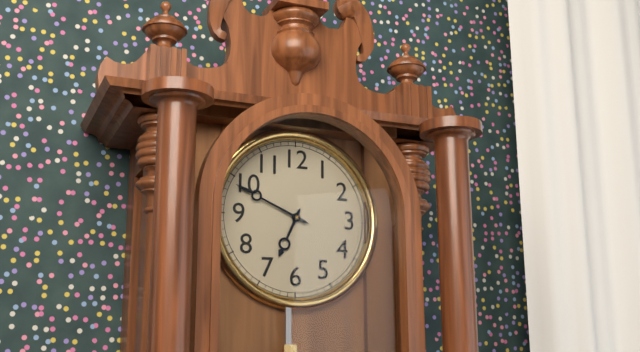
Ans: 6:49
